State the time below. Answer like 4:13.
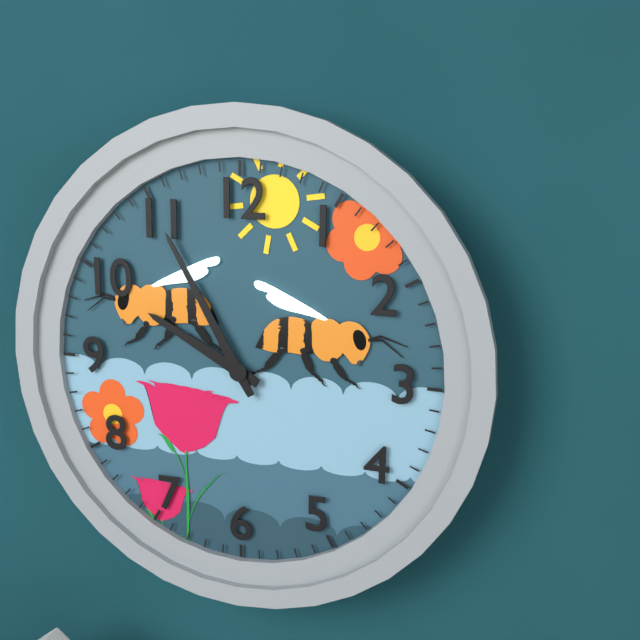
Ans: 9:55
